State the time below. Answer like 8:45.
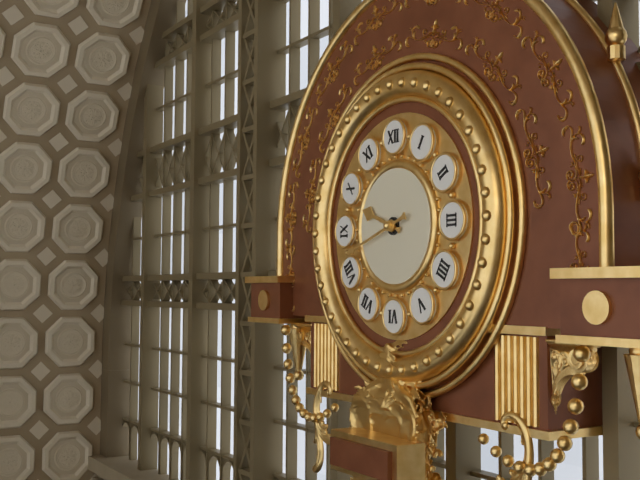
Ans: 9:42
